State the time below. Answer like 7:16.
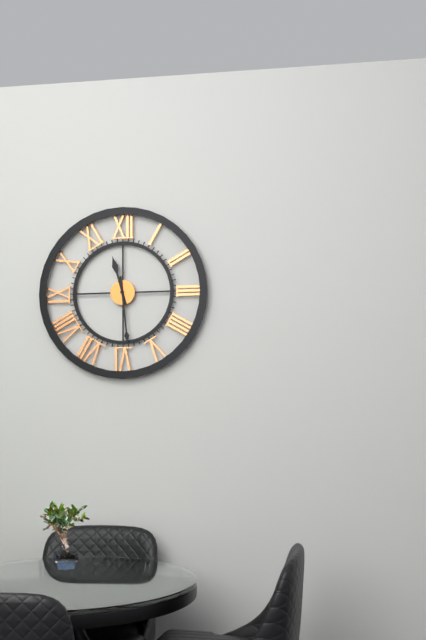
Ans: 11:29
